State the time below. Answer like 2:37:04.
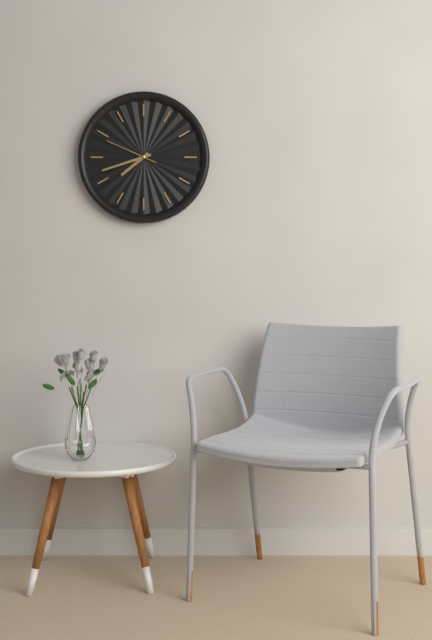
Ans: 7:42:49
